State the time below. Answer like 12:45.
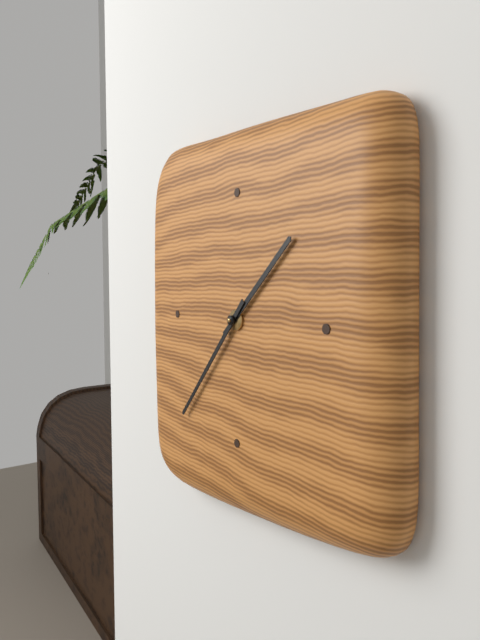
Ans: 1:37
